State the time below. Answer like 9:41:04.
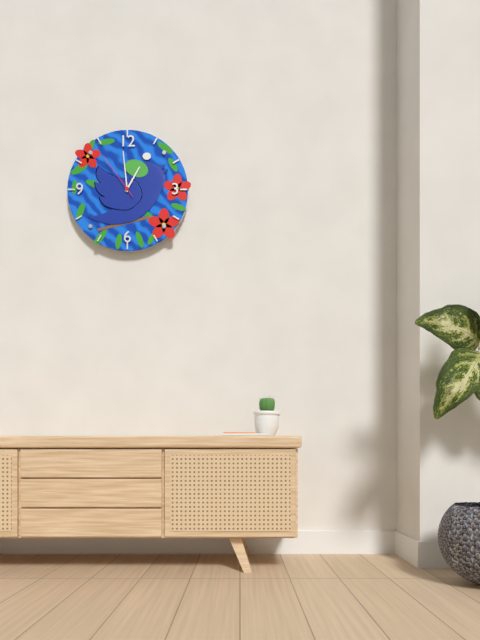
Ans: 12:59:54
